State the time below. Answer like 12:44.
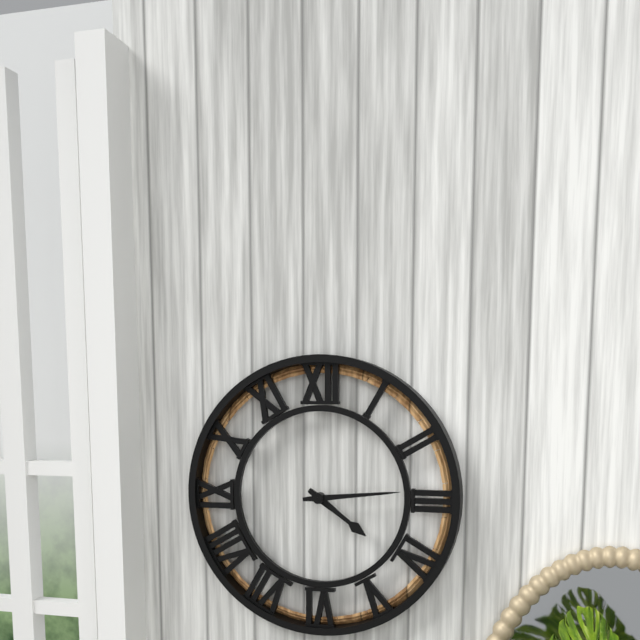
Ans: 4:14
